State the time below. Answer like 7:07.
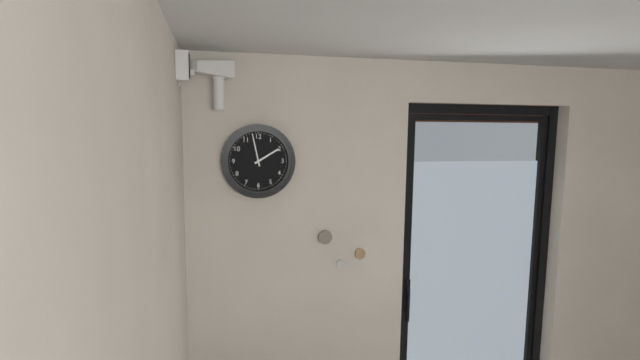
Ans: 1:58
